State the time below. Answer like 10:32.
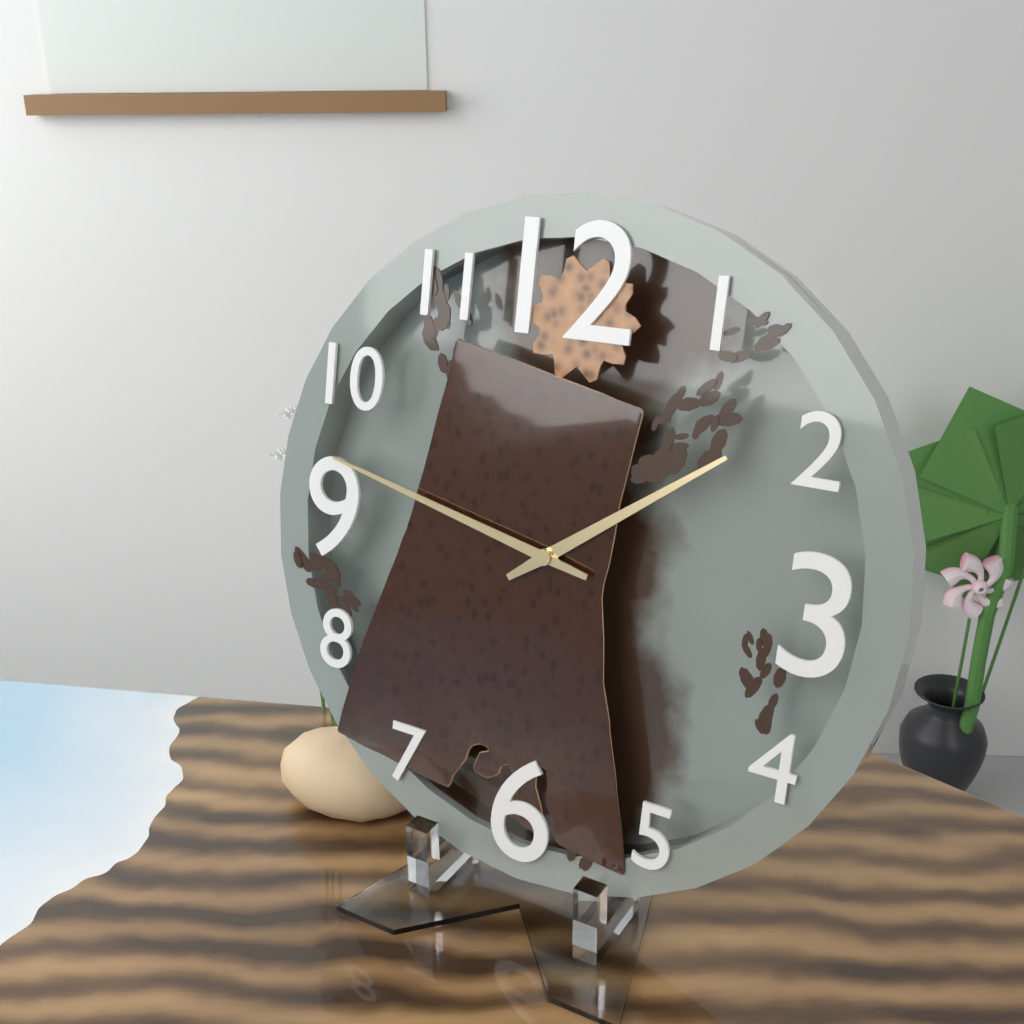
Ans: 1:47
